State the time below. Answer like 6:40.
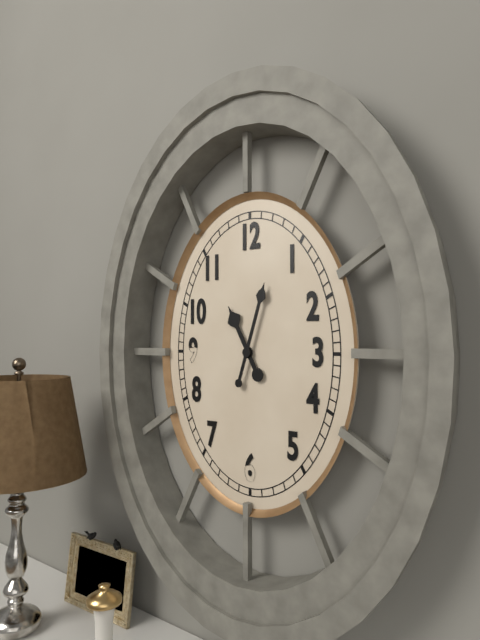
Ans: 11:03
